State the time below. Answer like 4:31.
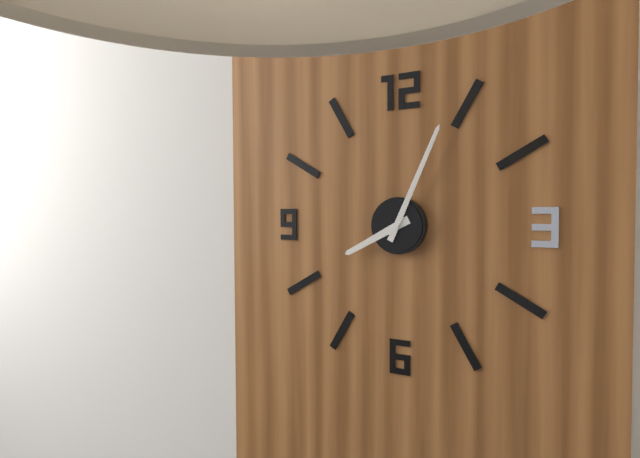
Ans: 8:04
